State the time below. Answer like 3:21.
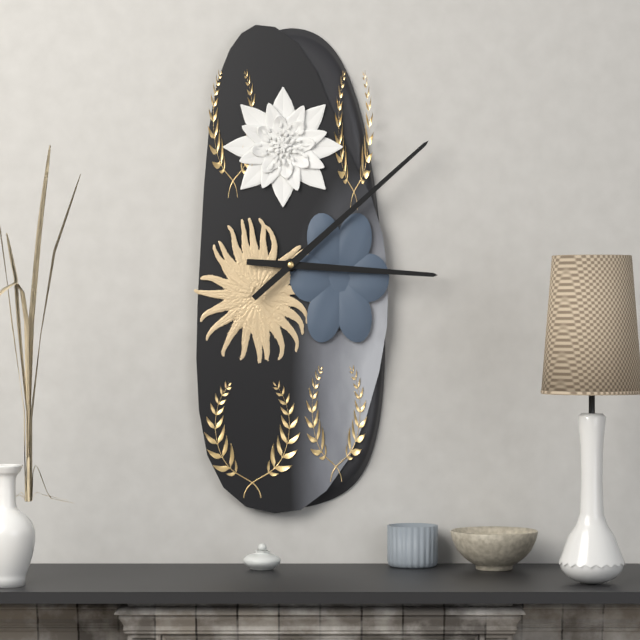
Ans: 3:08
